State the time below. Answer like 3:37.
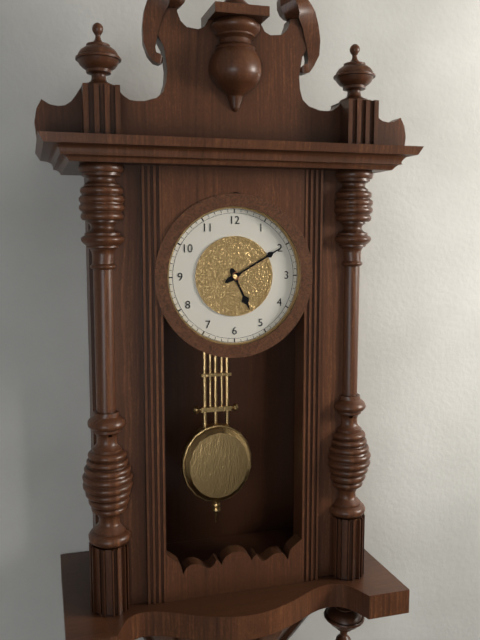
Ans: 5:10
